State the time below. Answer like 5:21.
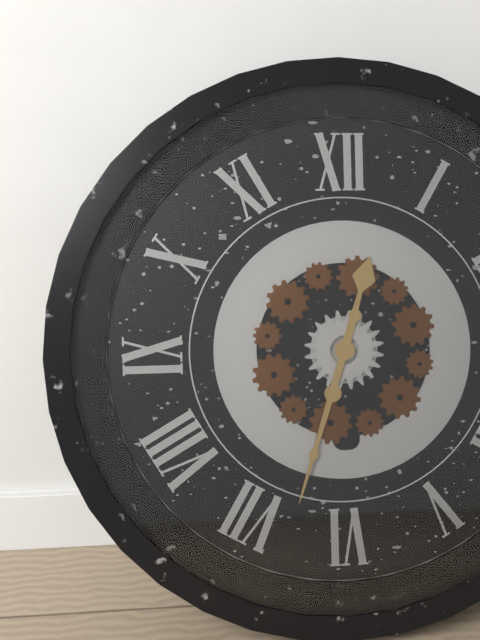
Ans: 12:33
